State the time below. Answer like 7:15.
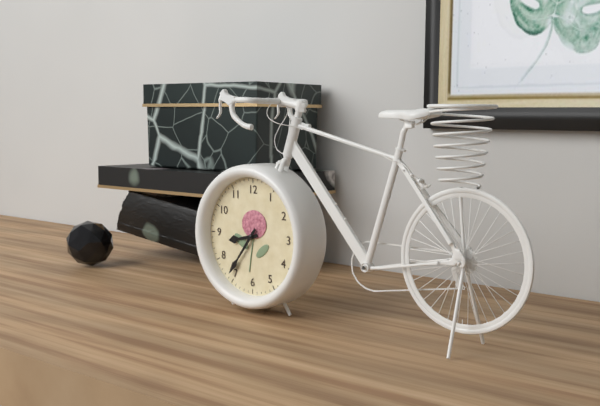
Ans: 8:36
